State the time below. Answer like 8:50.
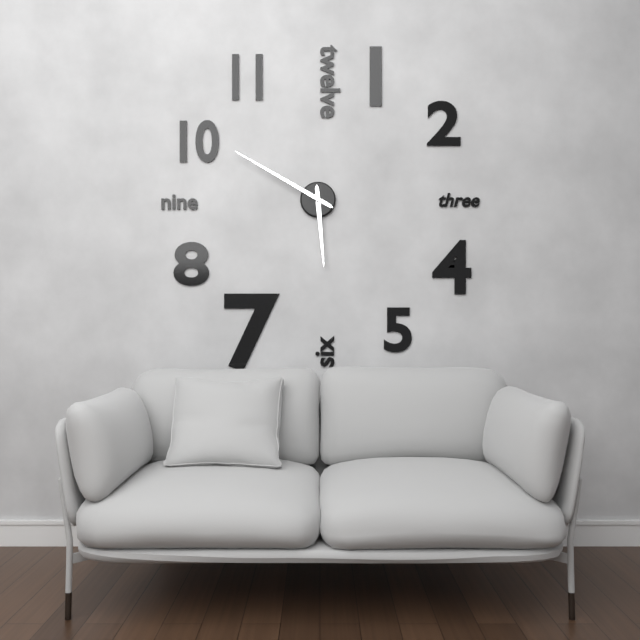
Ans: 5:50
